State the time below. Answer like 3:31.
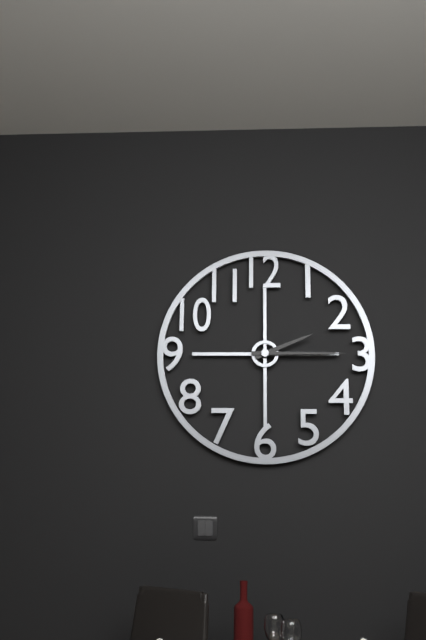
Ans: 2:15
